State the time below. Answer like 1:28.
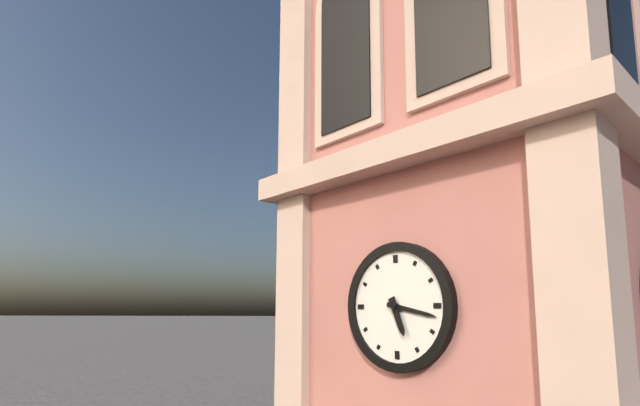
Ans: 5:17
